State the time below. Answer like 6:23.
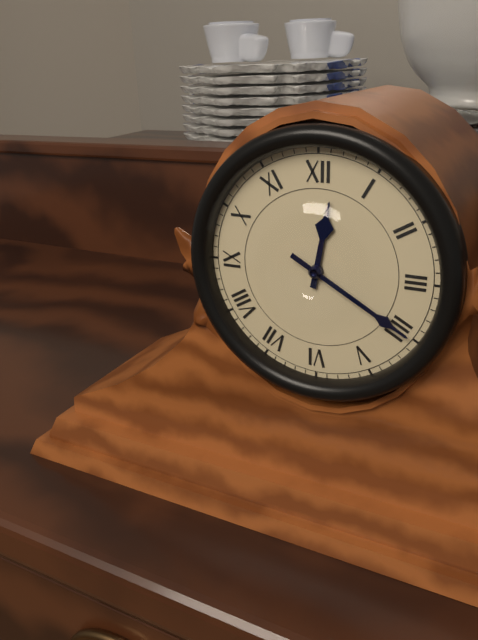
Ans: 12:20
